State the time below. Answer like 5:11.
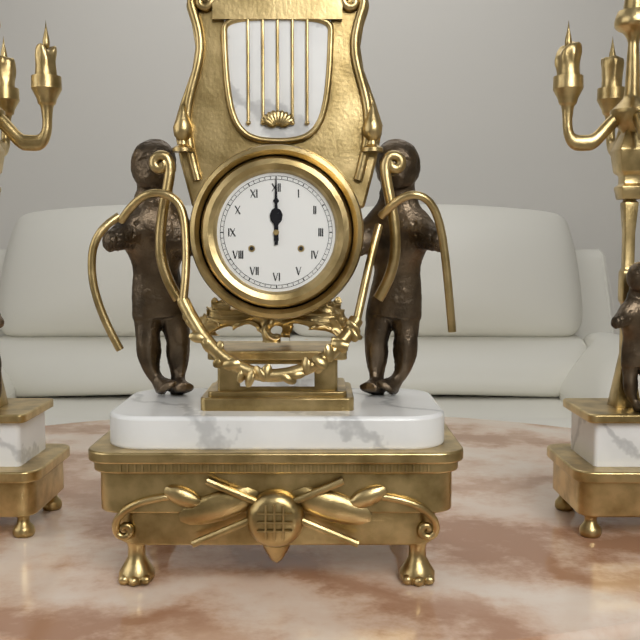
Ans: 12:00
